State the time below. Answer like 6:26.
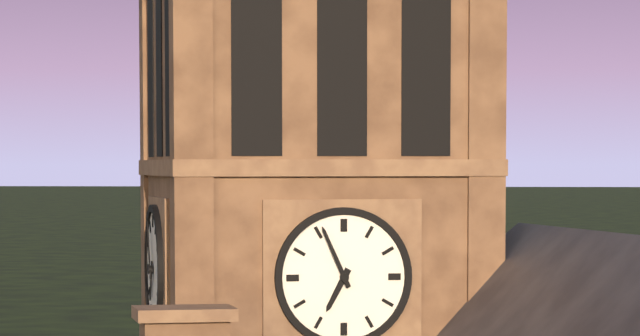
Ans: 6:56
